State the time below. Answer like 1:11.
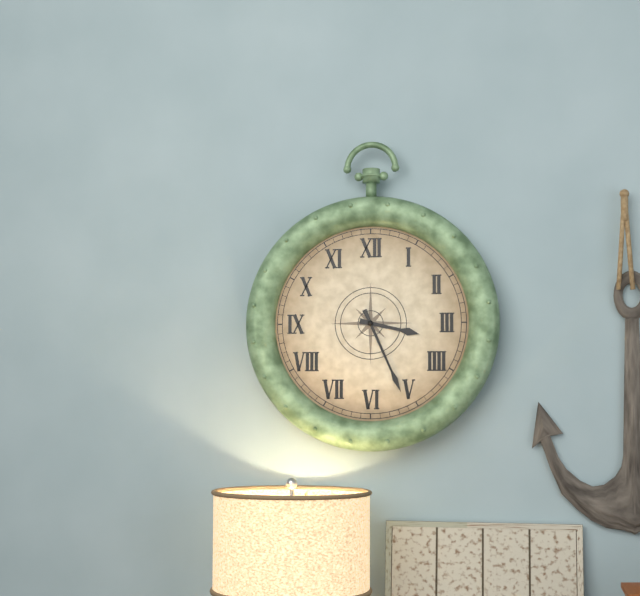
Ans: 3:26
